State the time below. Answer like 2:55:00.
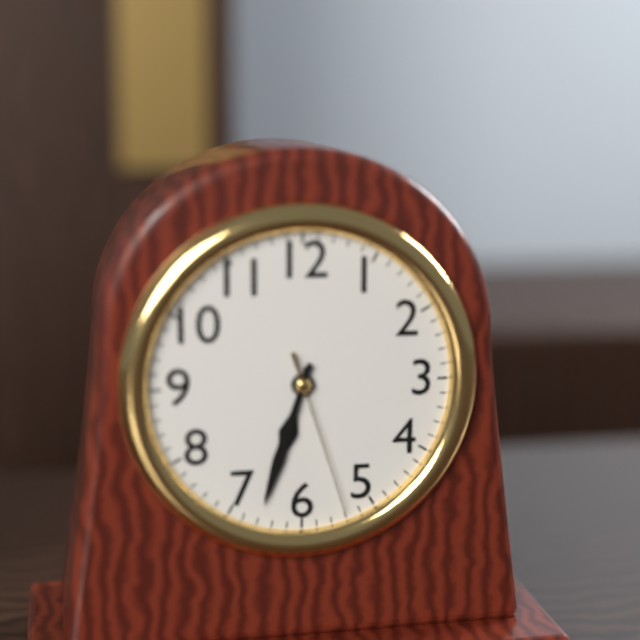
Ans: 6:33:27
